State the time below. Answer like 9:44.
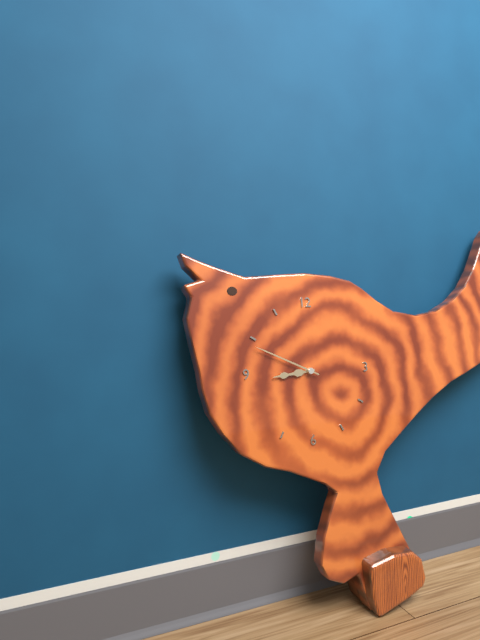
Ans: 8:49
